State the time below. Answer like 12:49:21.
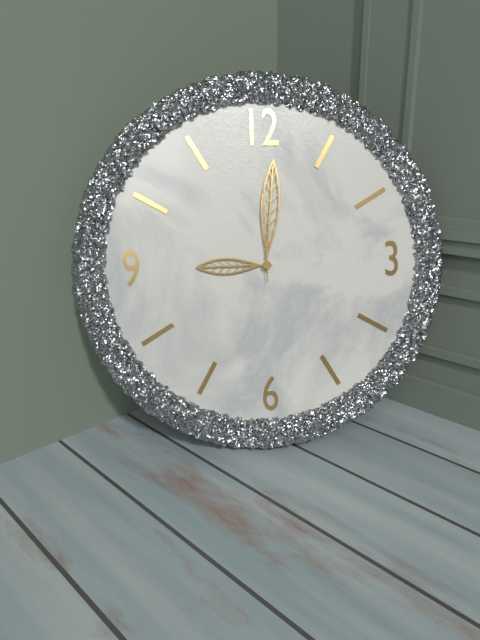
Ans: 9:01:00
